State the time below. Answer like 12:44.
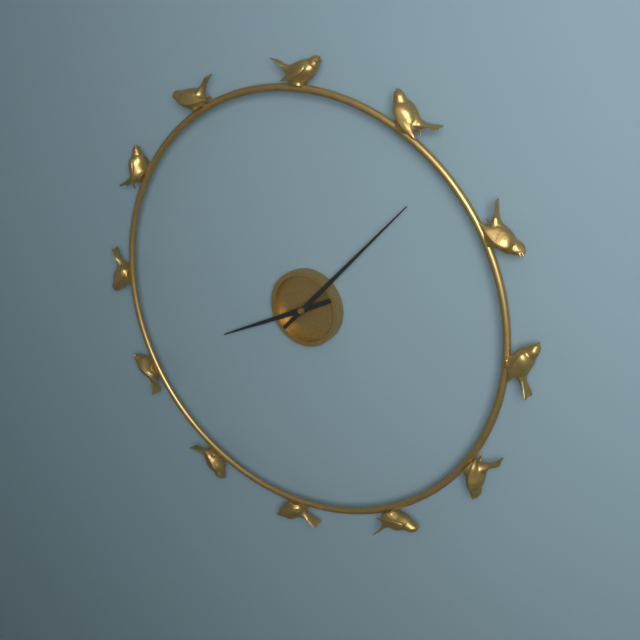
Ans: 8:07
